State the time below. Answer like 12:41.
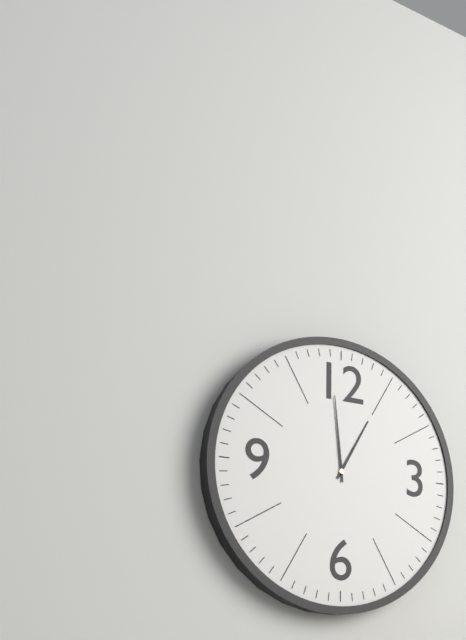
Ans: 12:59
